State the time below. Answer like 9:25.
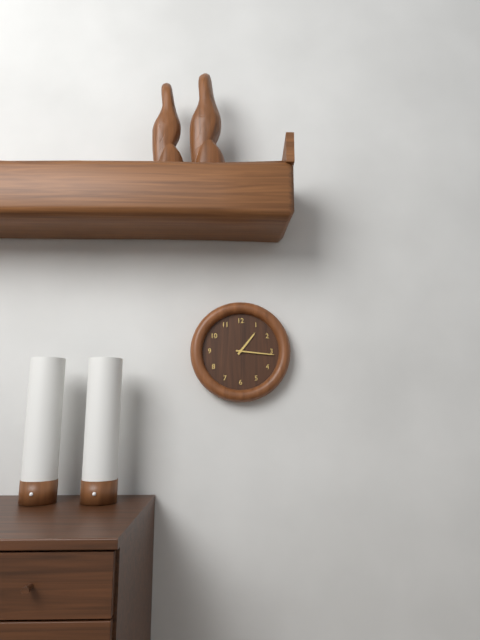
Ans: 1:16
